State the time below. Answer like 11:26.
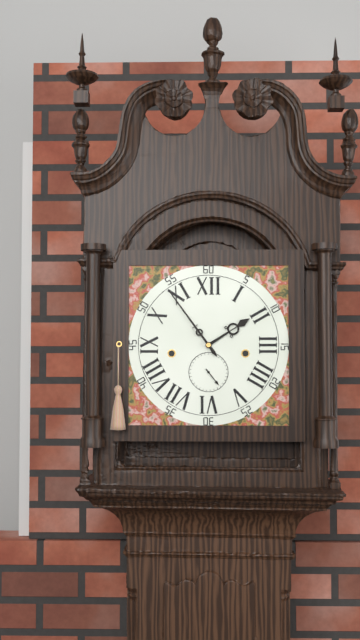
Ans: 1:54
